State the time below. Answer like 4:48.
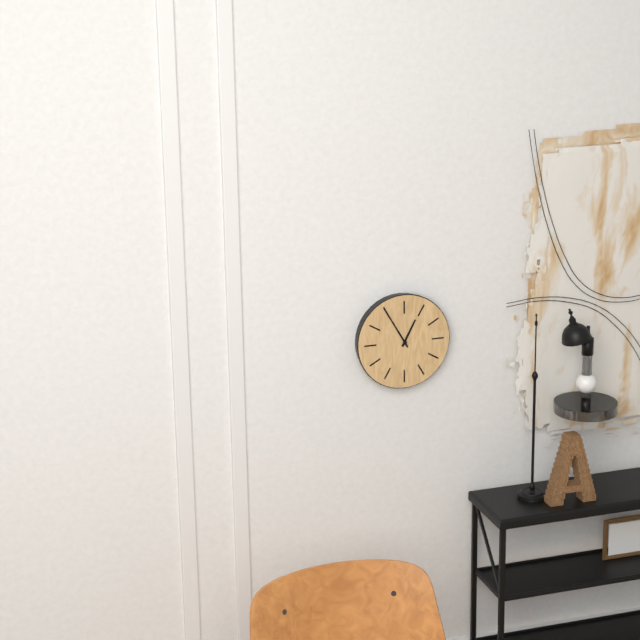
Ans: 12:55
